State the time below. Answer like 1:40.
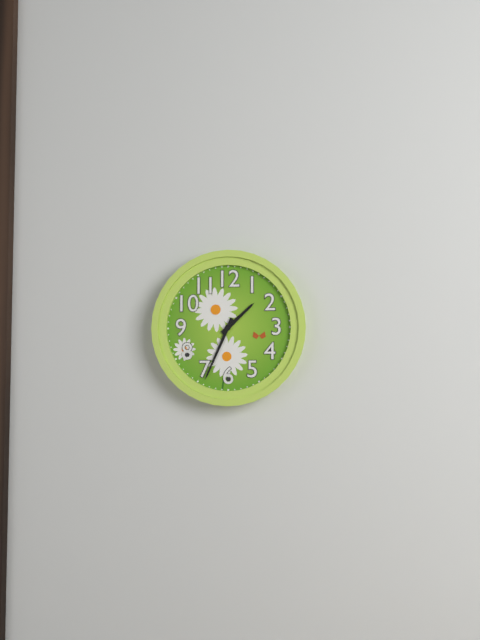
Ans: 1:34
